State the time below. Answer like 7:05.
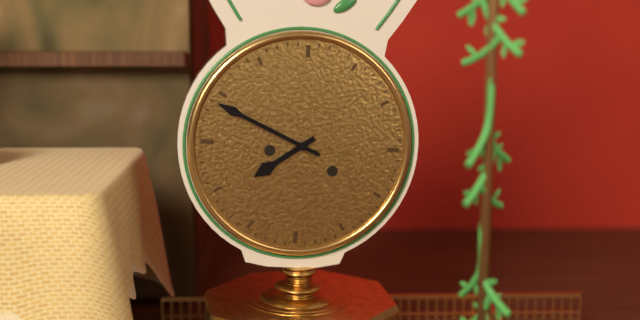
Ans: 7:49
